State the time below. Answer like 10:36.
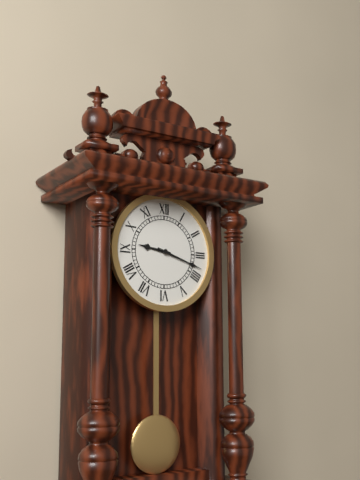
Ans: 9:18
